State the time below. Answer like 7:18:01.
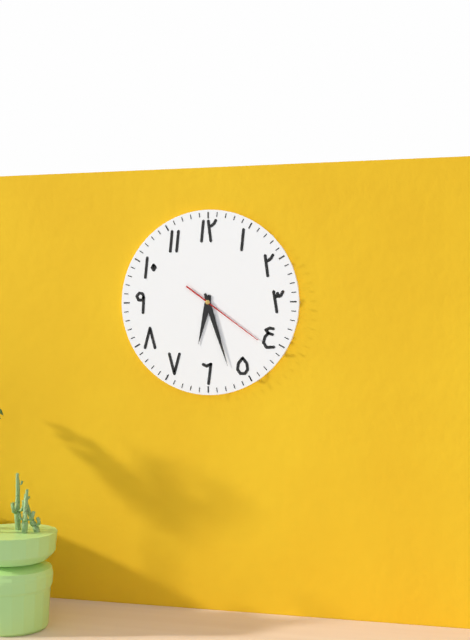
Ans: 6:27:21
